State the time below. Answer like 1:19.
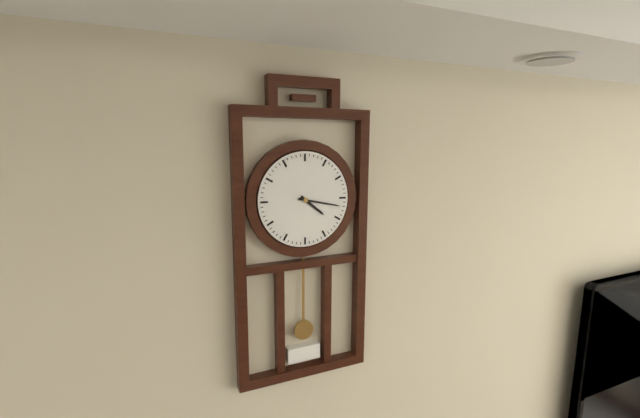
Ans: 4:17
